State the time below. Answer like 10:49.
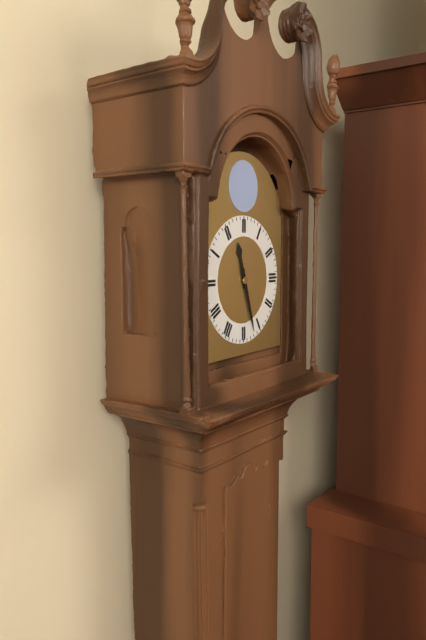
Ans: 11:27
